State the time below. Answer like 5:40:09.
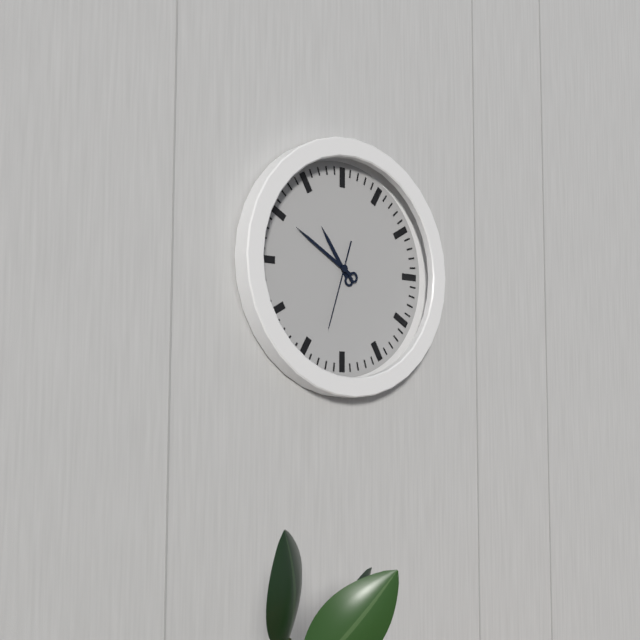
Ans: 10:50:33
